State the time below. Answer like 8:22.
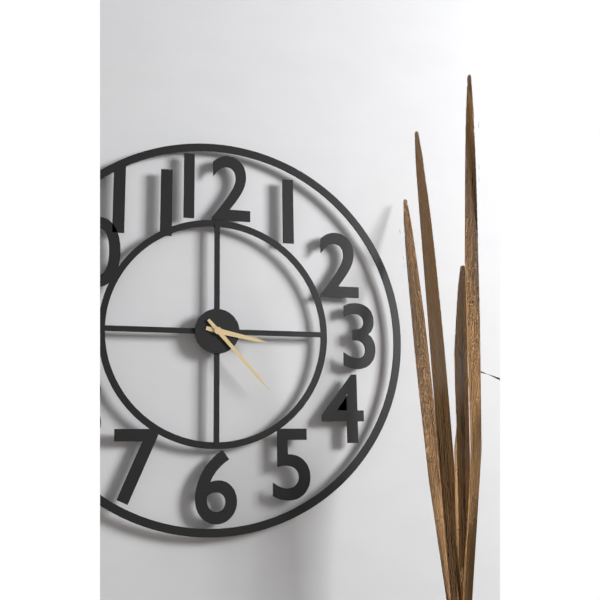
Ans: 3:23
